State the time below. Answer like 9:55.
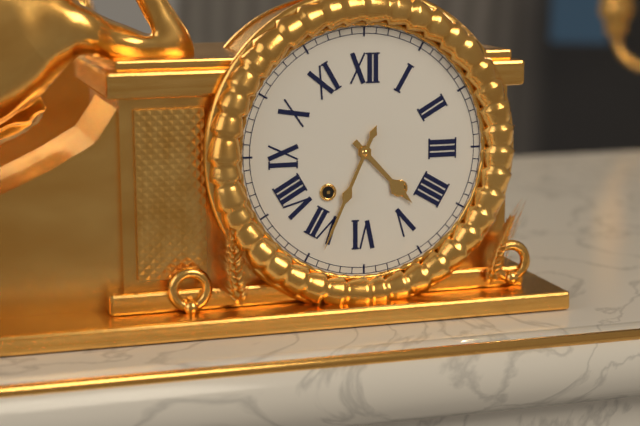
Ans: 4:34
